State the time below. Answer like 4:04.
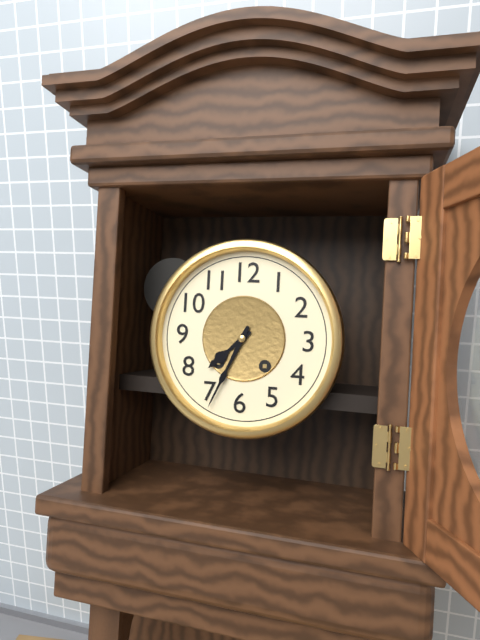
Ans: 7:34
